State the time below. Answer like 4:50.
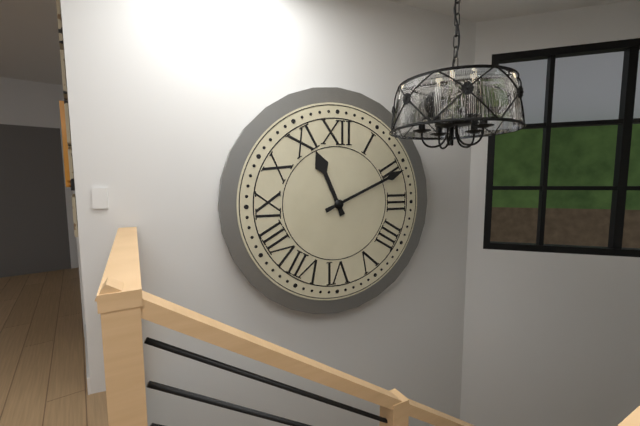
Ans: 11:11
